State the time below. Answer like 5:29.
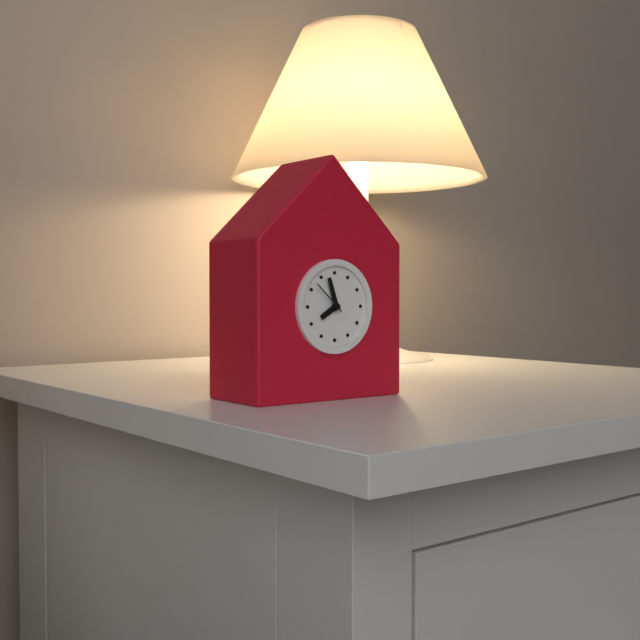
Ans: 7:57
